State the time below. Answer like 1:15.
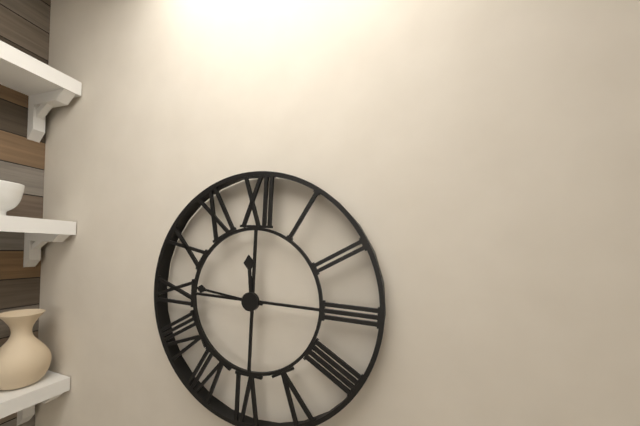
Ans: 11:46
